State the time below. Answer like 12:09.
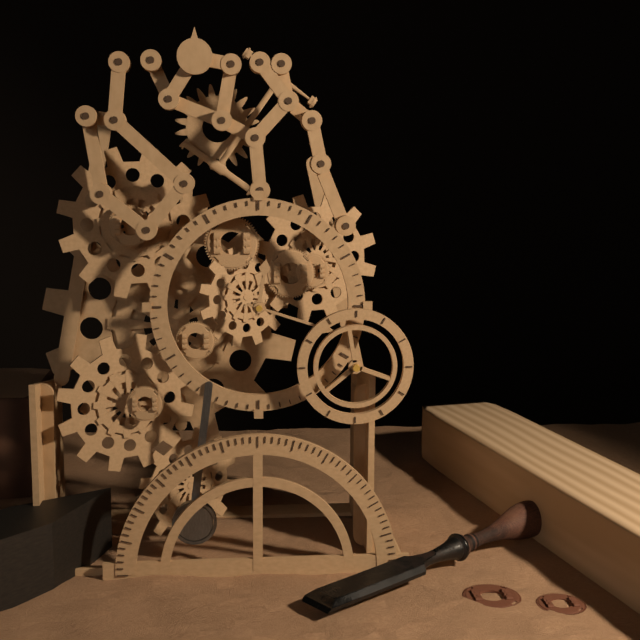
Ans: 12:18
